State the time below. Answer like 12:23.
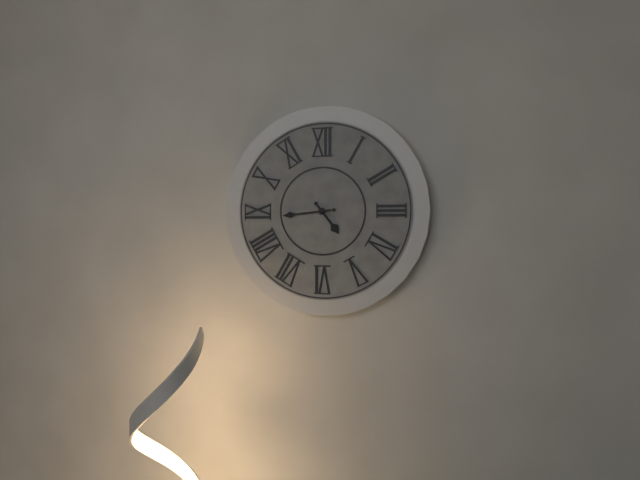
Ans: 4:44
